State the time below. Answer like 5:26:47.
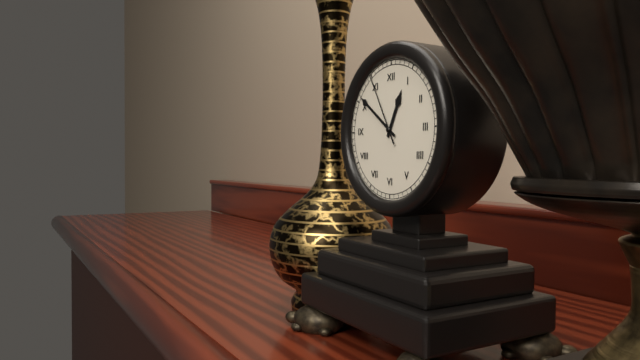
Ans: 12:51:55
